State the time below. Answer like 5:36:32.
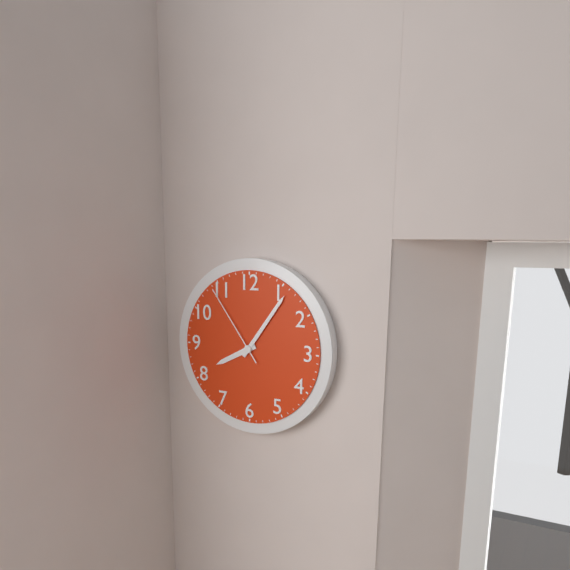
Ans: 8:06:54
